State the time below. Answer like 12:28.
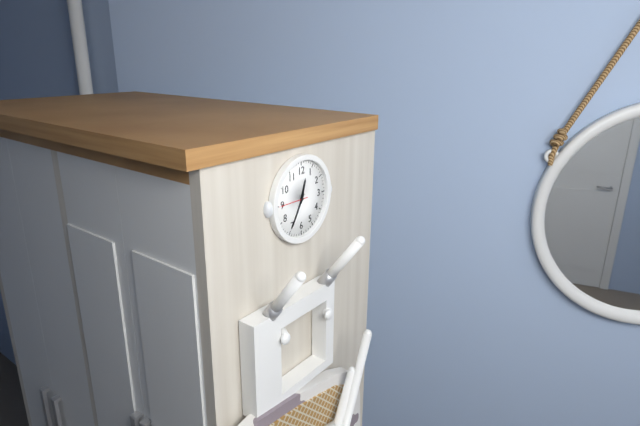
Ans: 12:35
